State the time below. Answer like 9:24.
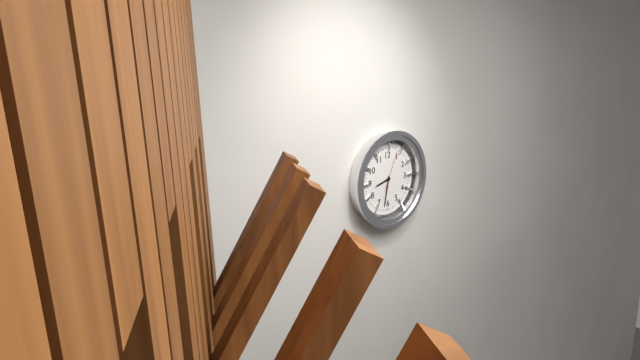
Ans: 8:32
